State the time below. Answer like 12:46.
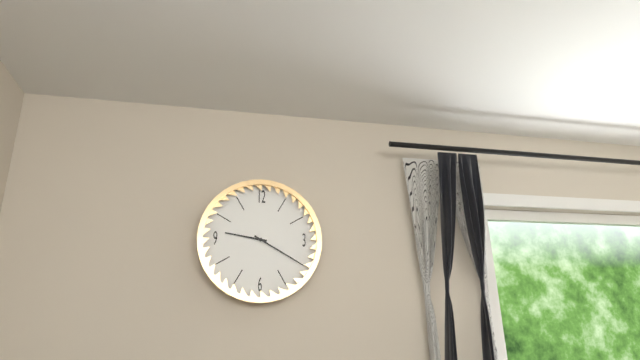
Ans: 9:20
